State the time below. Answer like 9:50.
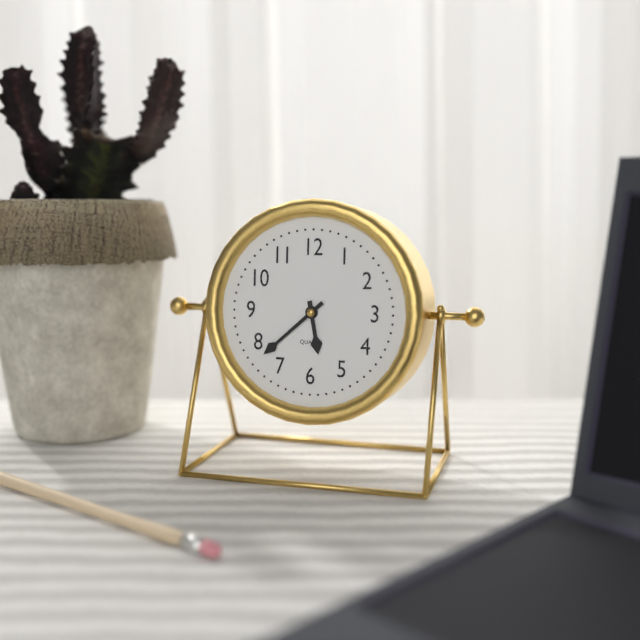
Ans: 5:38
